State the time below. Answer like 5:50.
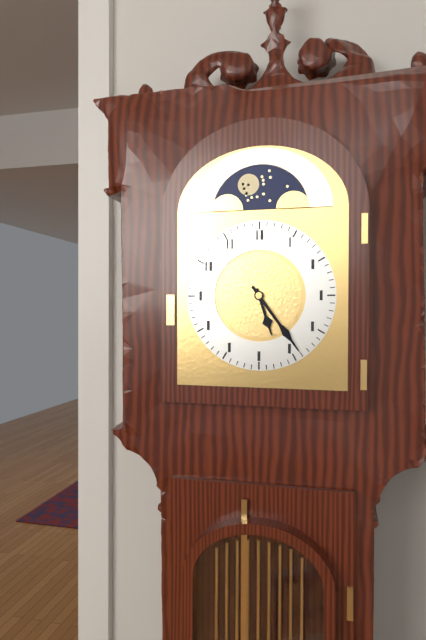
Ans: 5:24
